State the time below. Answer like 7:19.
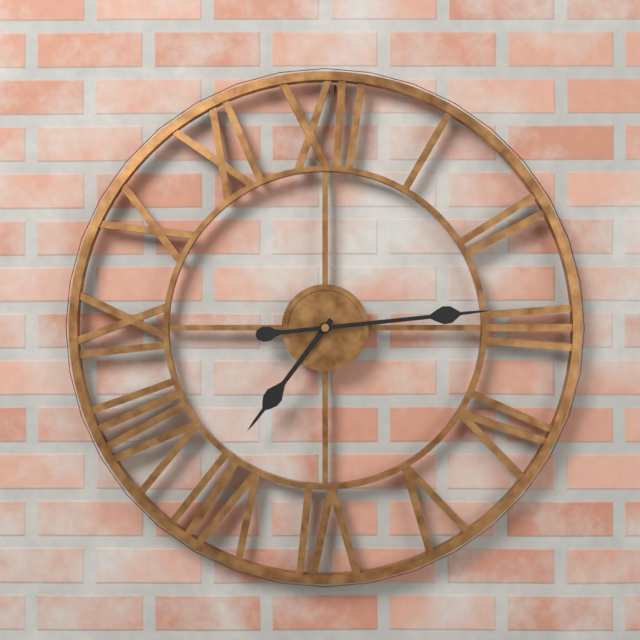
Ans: 7:14
